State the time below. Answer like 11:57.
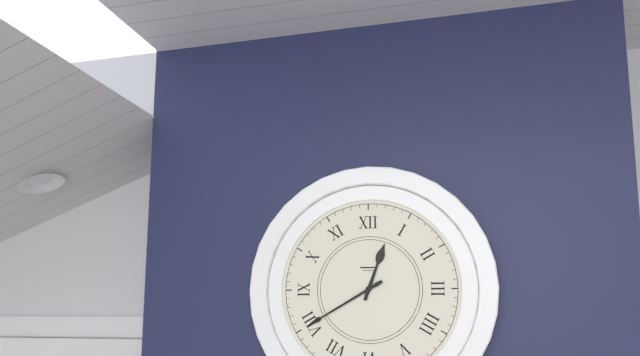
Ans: 12:40
